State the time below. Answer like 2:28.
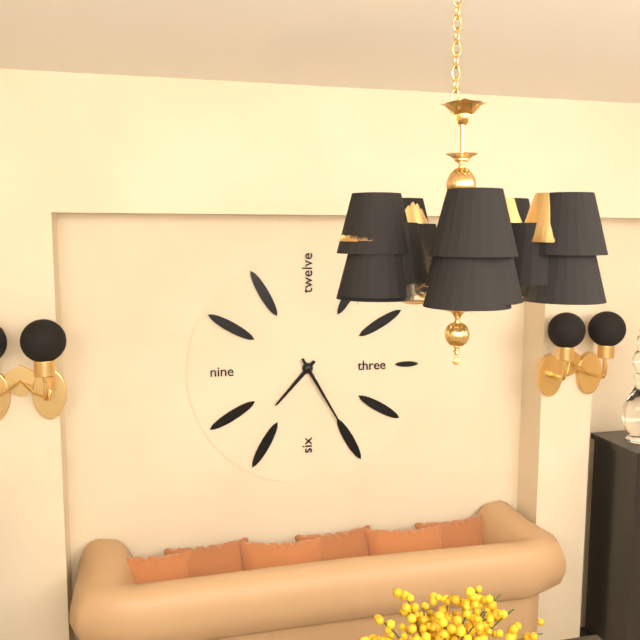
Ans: 7:25
